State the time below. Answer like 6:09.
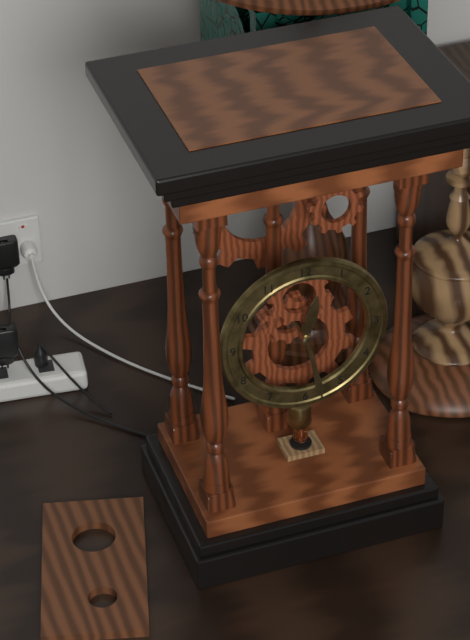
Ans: 12:28
